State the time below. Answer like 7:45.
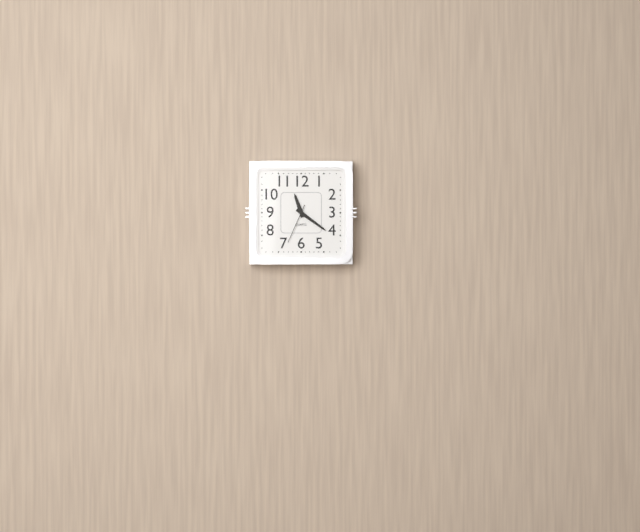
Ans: 11:21
